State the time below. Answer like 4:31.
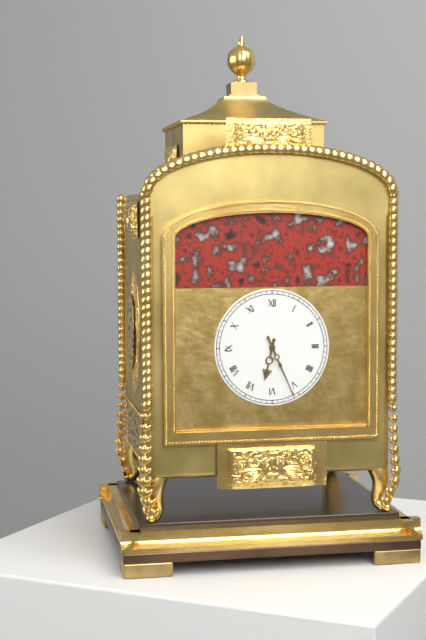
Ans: 6:26
